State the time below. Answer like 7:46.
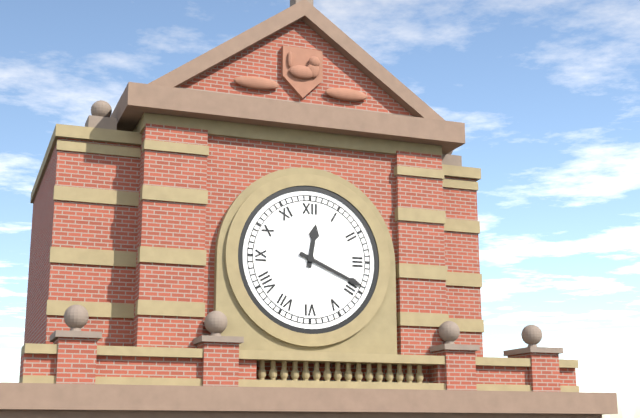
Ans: 12:19
